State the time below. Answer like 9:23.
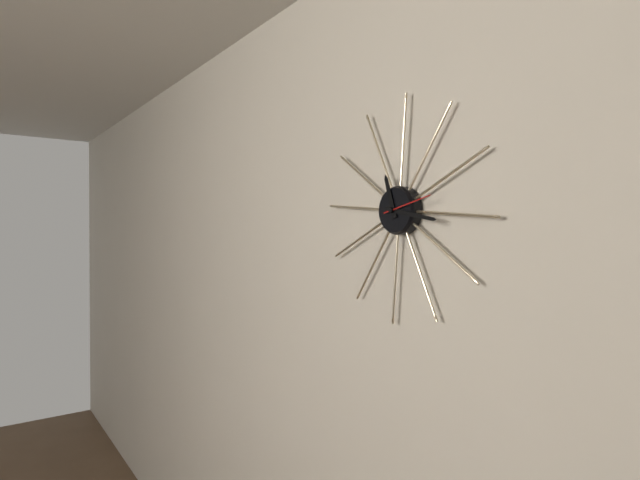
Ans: 11:16
